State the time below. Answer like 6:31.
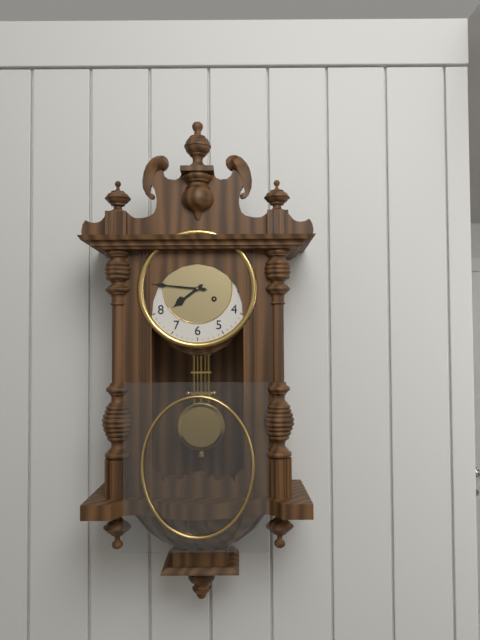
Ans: 7:46
